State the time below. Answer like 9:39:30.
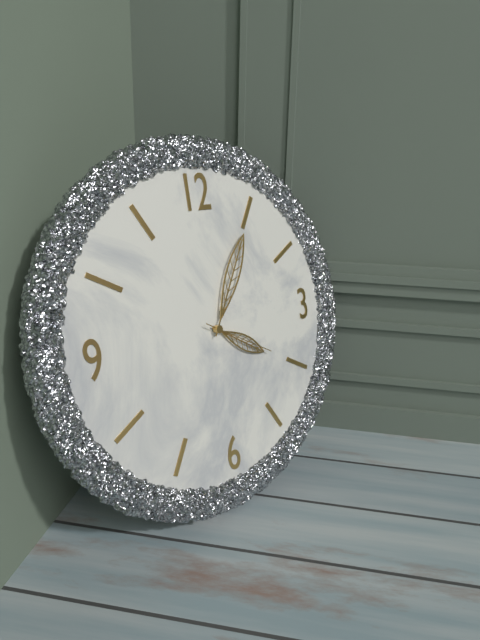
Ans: 4:05:20
